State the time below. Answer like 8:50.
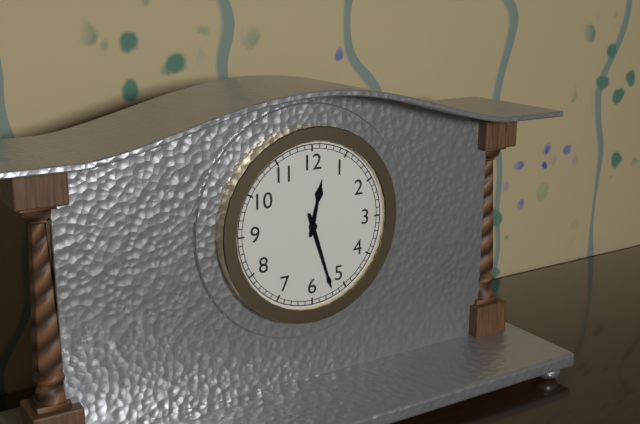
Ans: 12:27
